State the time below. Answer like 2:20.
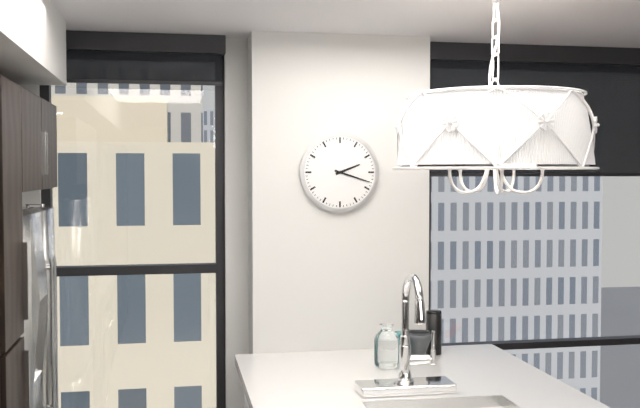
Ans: 2:18
